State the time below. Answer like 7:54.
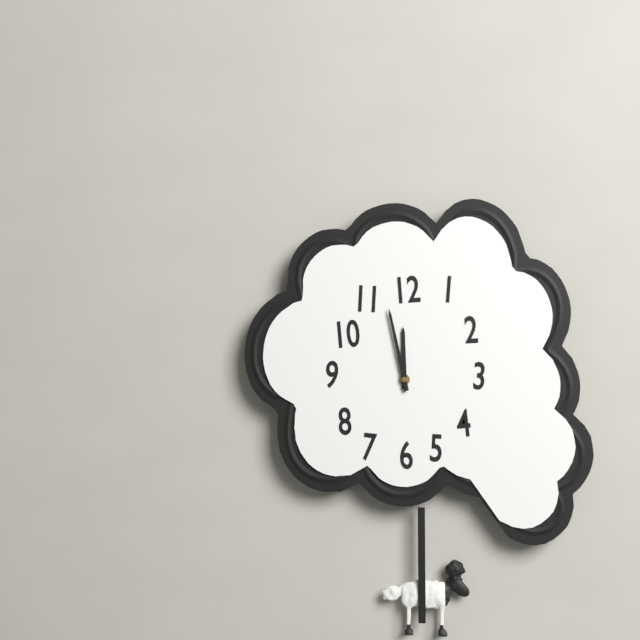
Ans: 11:58
